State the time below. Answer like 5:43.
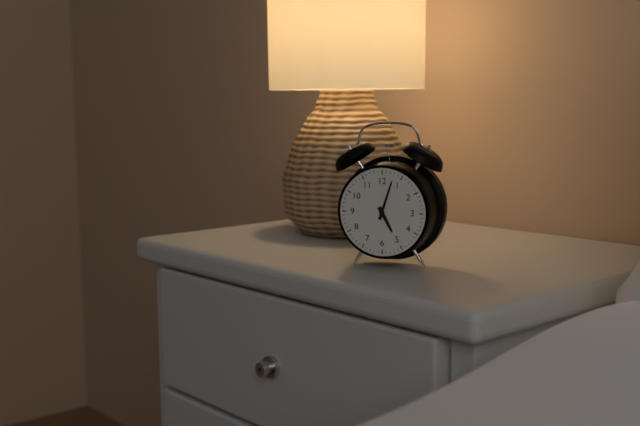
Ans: 5:03
